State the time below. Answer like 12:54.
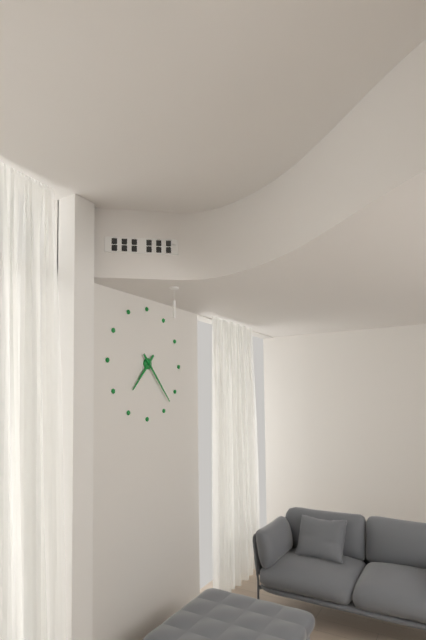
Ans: 7:23
